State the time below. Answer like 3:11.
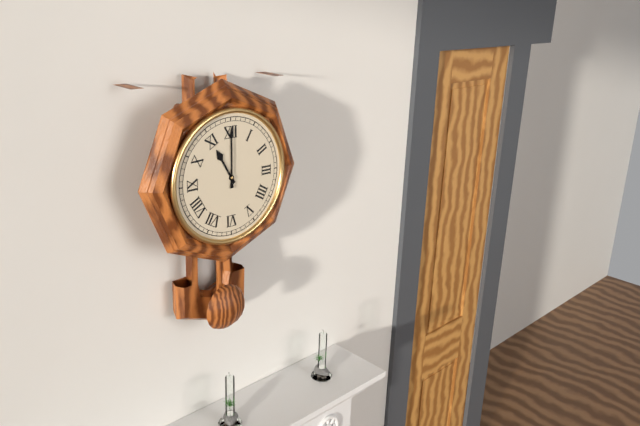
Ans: 11:00
